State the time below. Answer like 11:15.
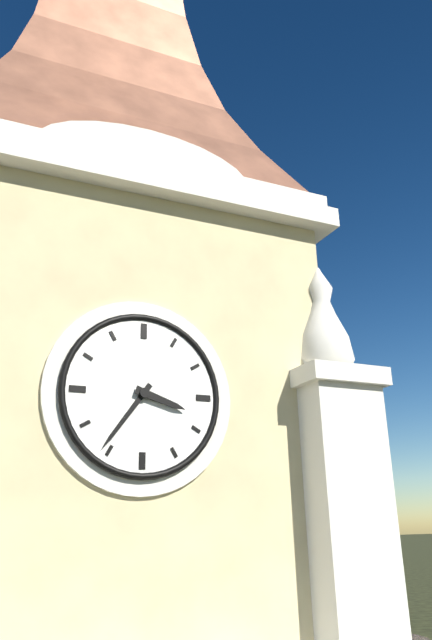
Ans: 3:36
